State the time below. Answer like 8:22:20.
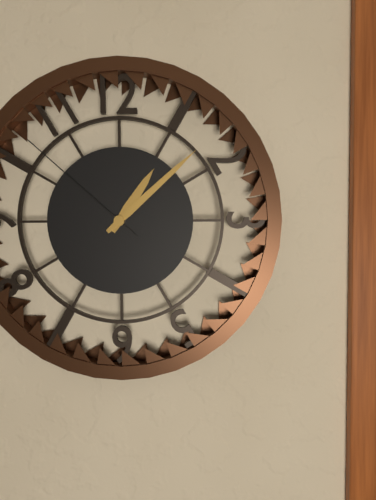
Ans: 1:08:52
